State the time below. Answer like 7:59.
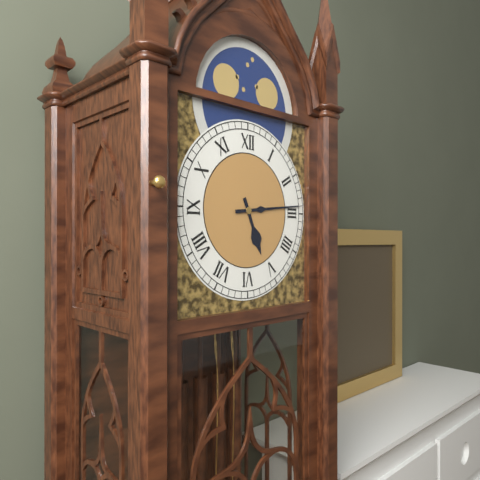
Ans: 5:14
